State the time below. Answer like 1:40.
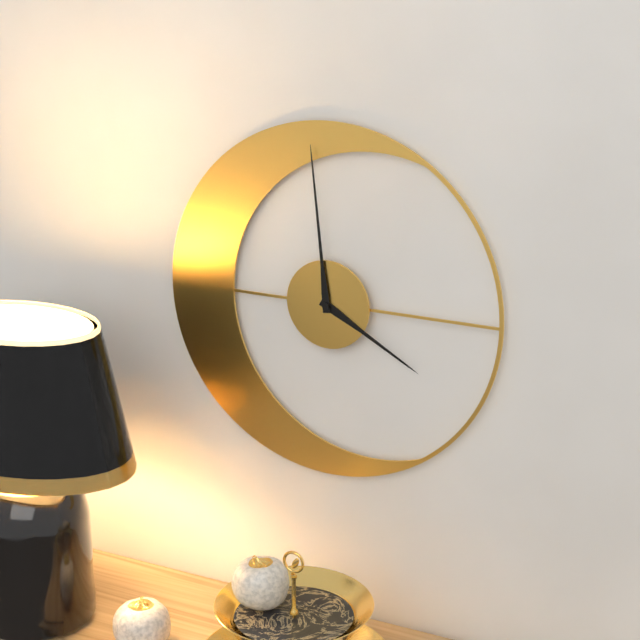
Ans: 3:59
